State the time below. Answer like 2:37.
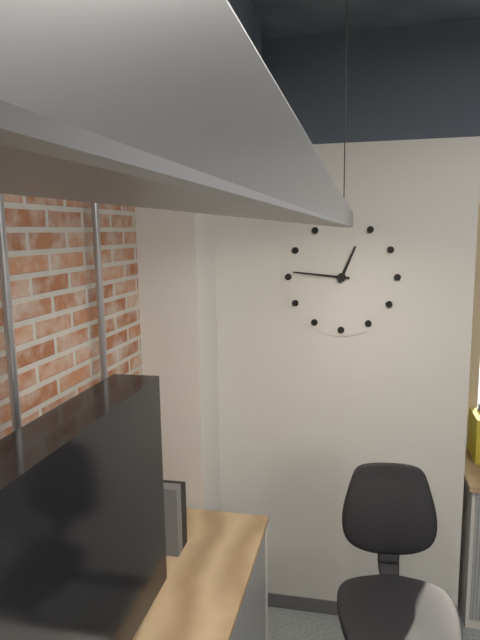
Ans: 12:46
